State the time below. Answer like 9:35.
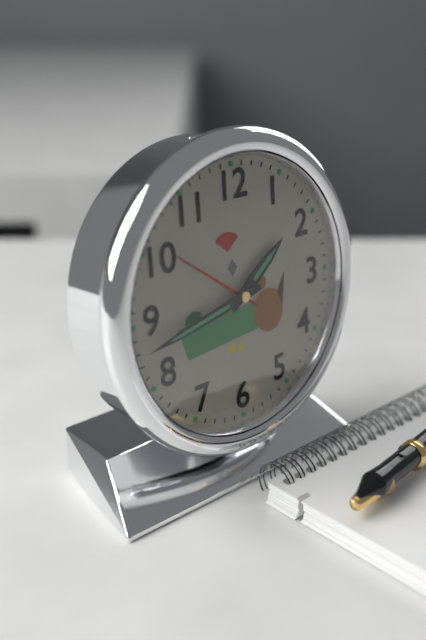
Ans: 1:43
